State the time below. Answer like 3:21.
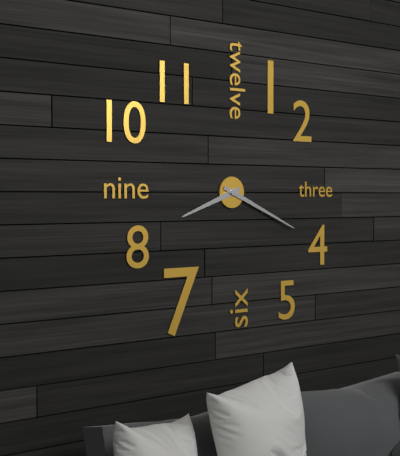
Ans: 8:19
